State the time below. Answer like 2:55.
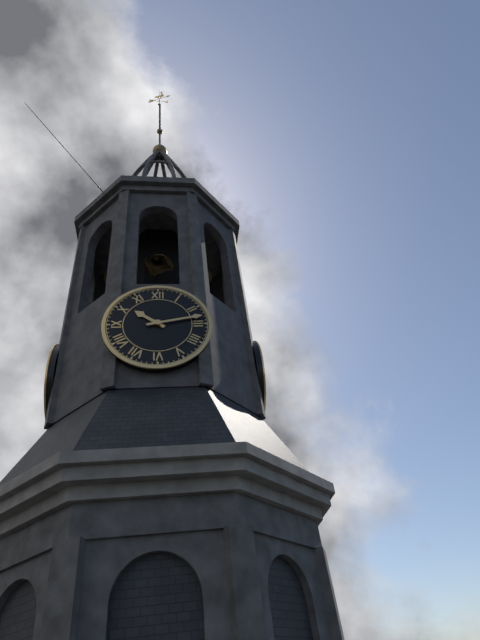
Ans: 10:13
